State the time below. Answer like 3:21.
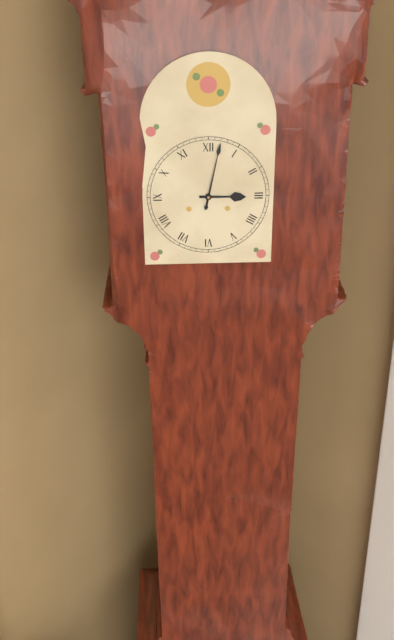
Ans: 3:02
